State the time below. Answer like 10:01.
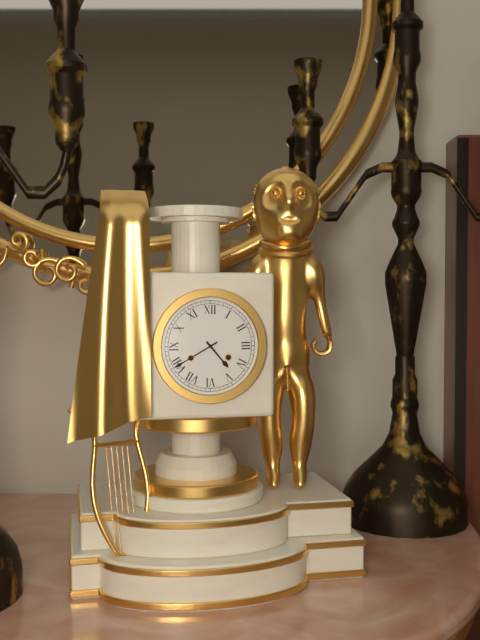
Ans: 4:40
